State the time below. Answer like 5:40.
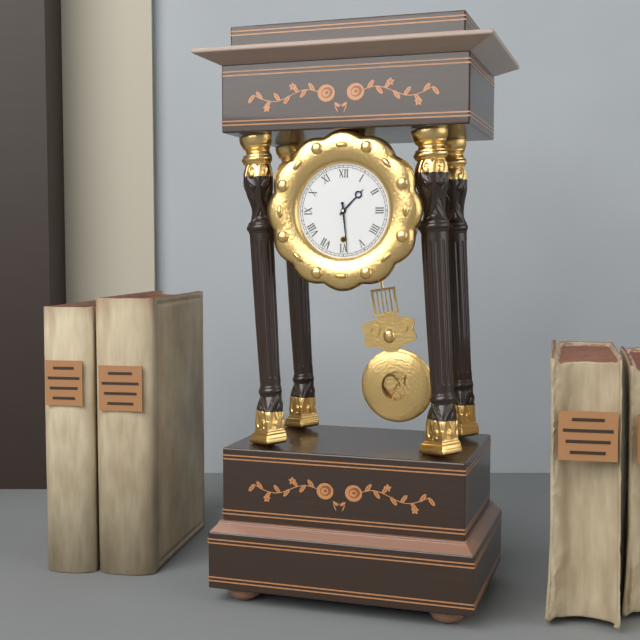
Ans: 1:29
